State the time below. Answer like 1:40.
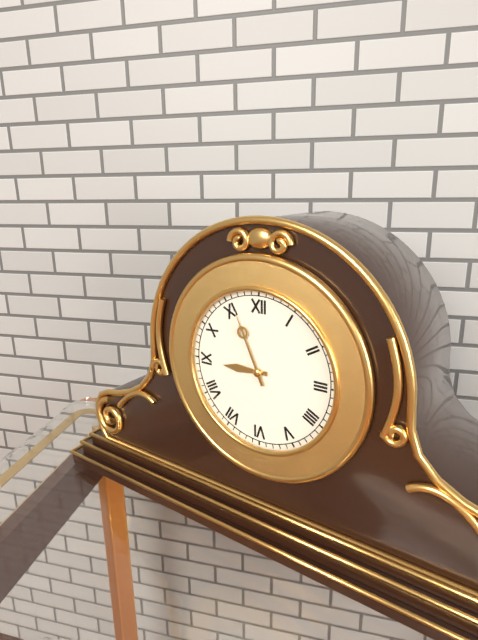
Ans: 8:56
